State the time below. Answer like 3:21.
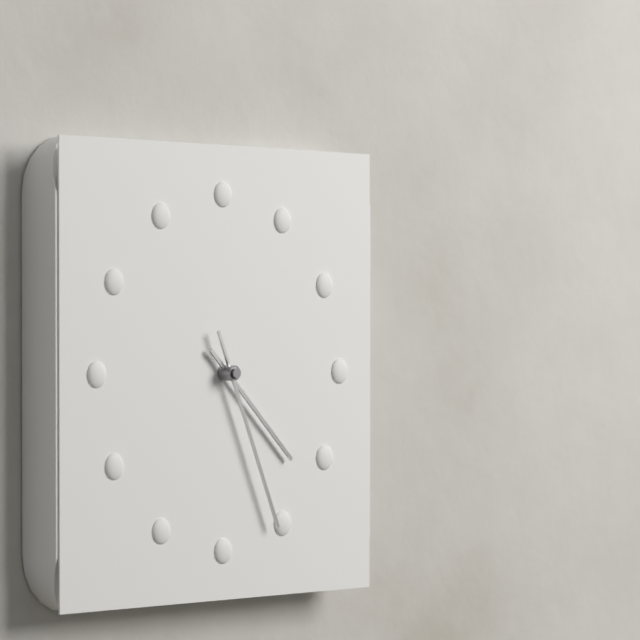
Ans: 4:26
